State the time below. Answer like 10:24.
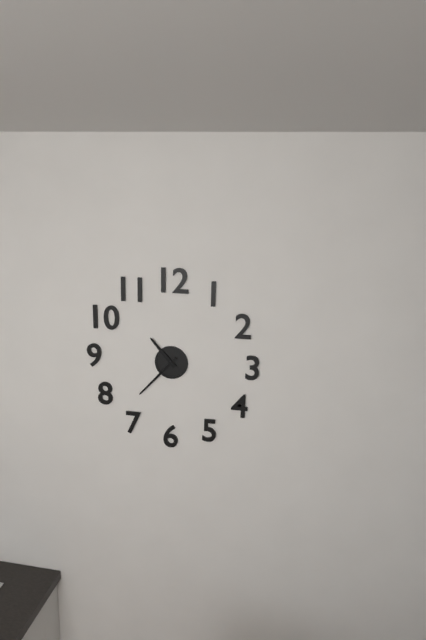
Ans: 10:37
